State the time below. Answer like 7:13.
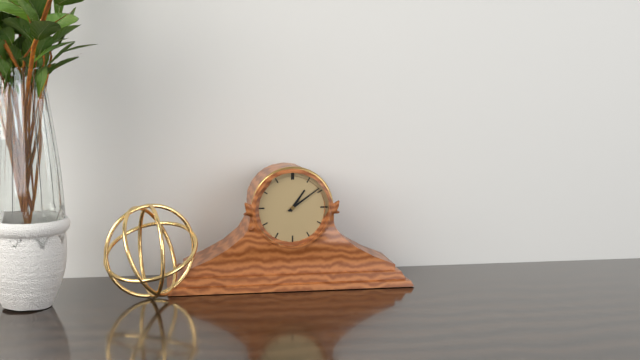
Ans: 1:09
